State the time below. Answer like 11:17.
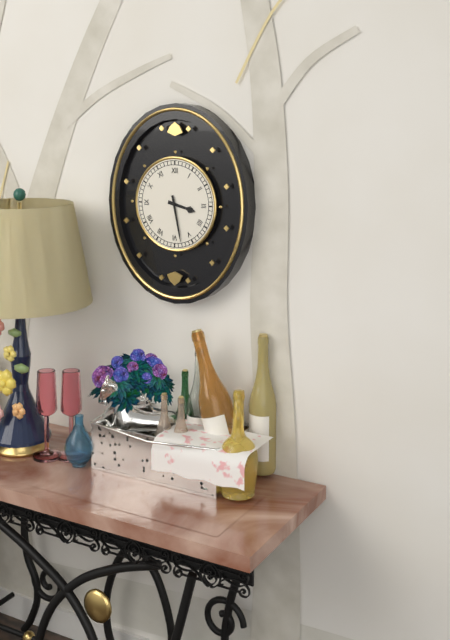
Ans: 3:28
